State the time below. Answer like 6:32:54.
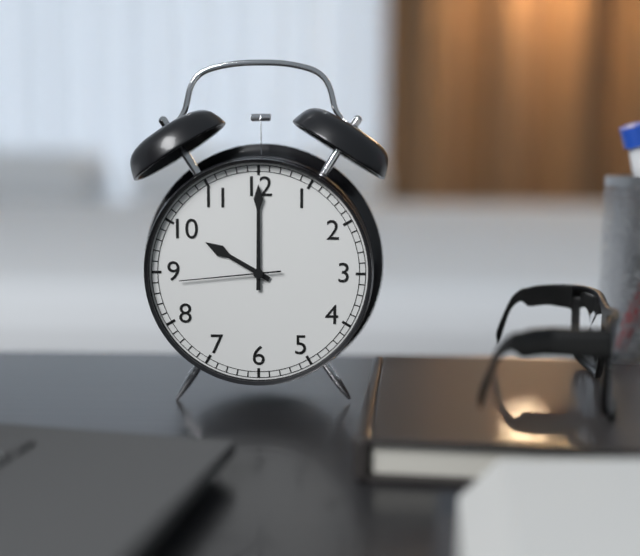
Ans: 10:00:44
